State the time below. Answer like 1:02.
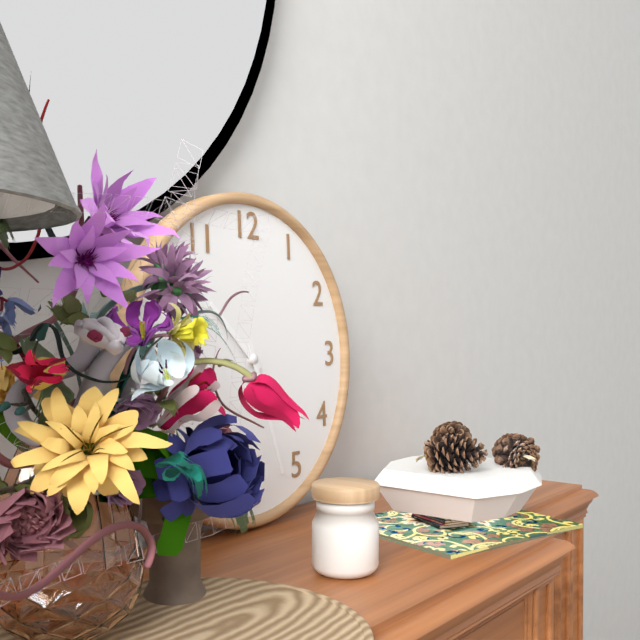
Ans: 10:27
